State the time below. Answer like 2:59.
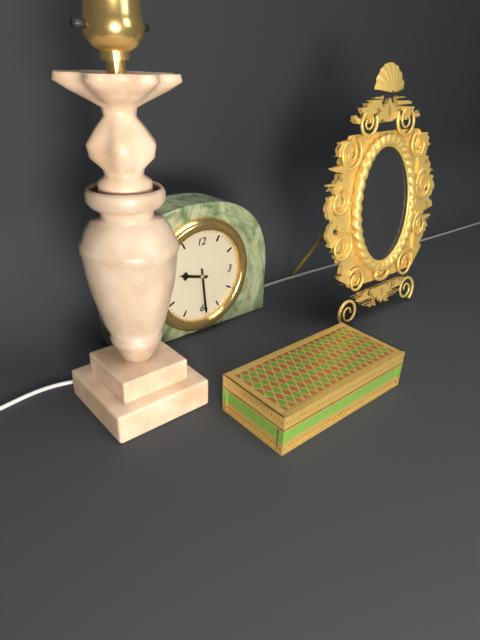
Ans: 9:29
